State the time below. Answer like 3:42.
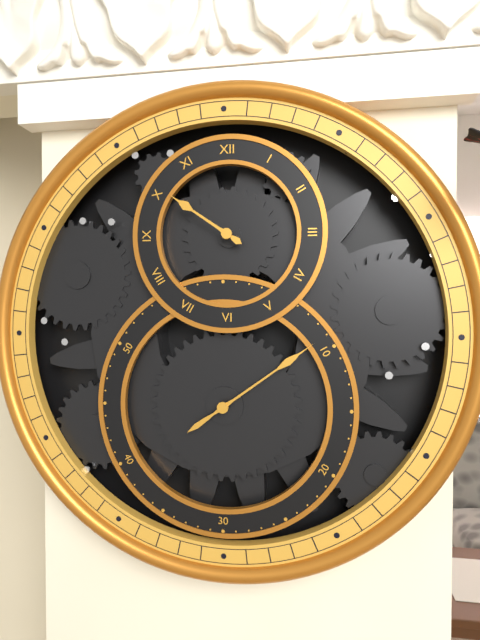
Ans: 10:09
